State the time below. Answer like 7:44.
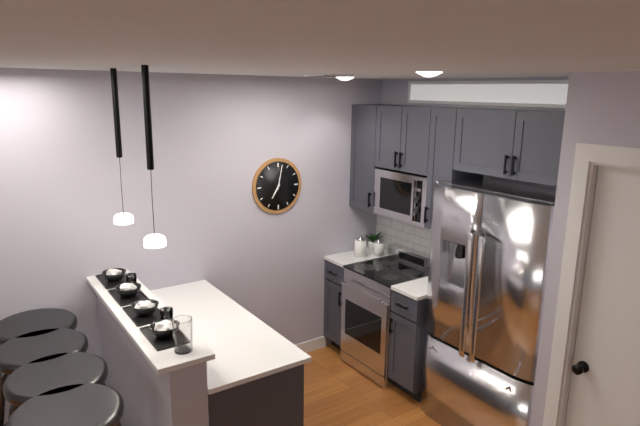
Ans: 7:02
